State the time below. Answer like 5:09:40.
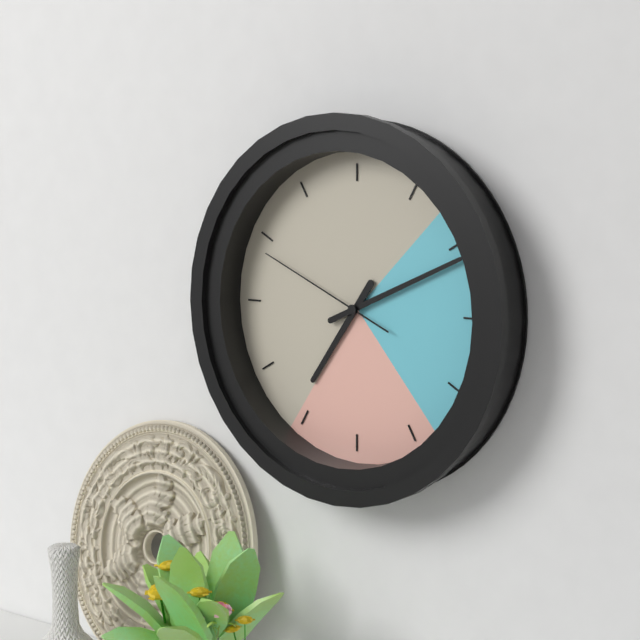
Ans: 7:11:49
